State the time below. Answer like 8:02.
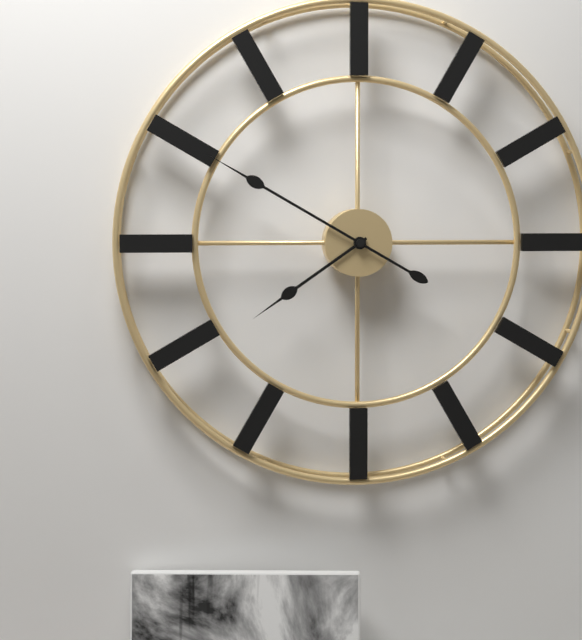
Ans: 7:50
